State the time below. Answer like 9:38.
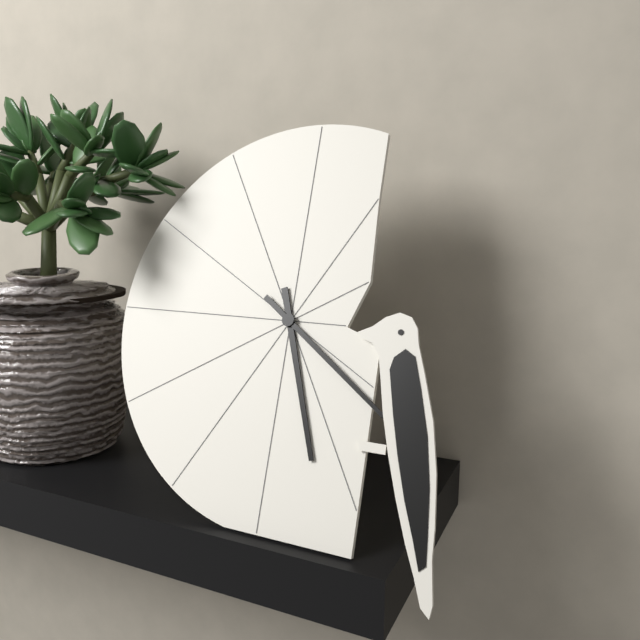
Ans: 5:21
